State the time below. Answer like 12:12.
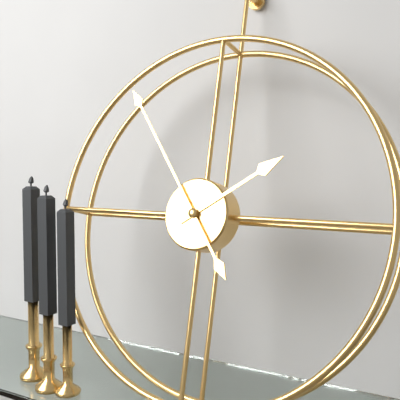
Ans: 1:54
